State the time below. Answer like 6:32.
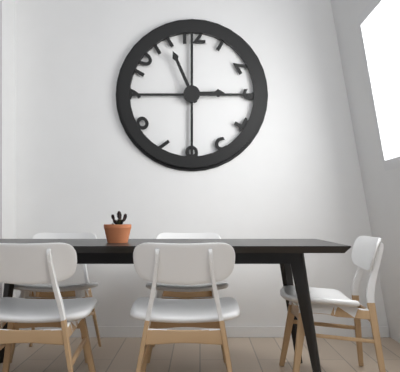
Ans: 2:56
